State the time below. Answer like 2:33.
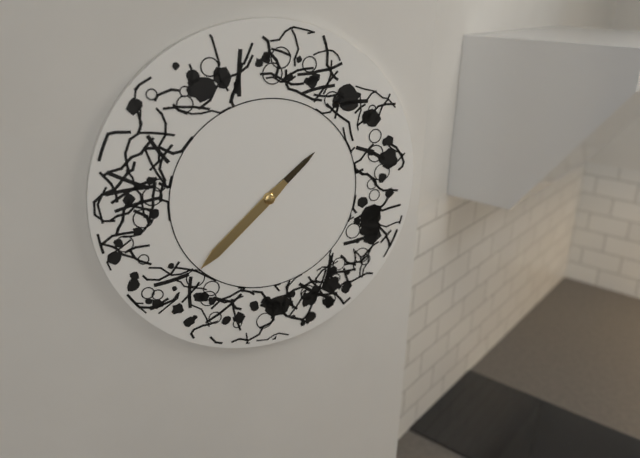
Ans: 1:38
